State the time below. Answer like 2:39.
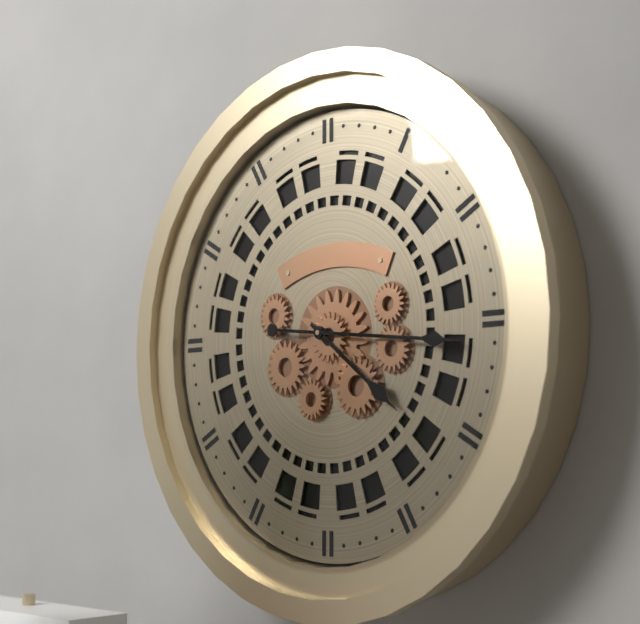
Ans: 4:16
